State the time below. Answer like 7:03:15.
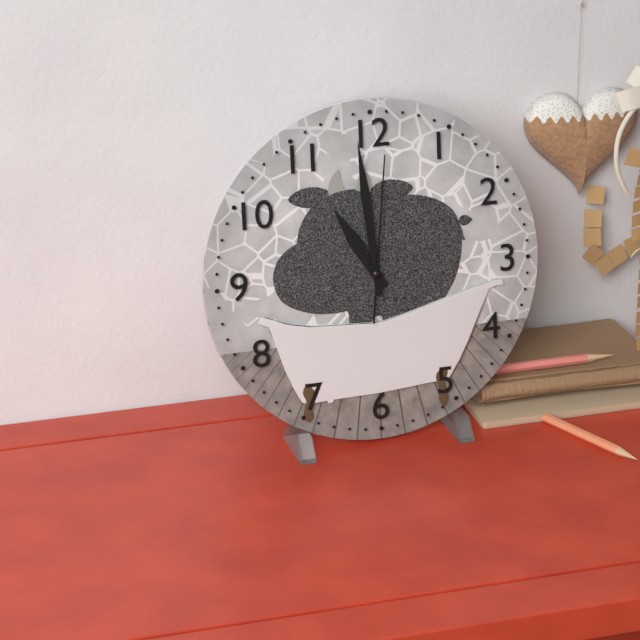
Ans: 10:59:01
